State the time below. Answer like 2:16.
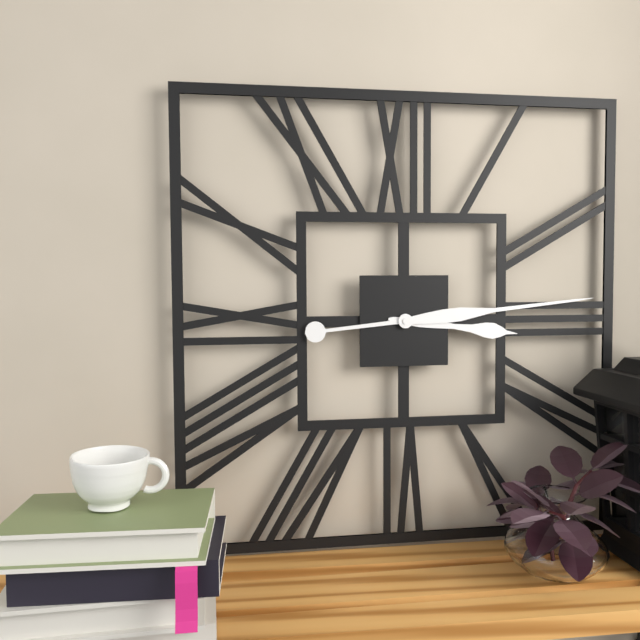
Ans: 3:14
